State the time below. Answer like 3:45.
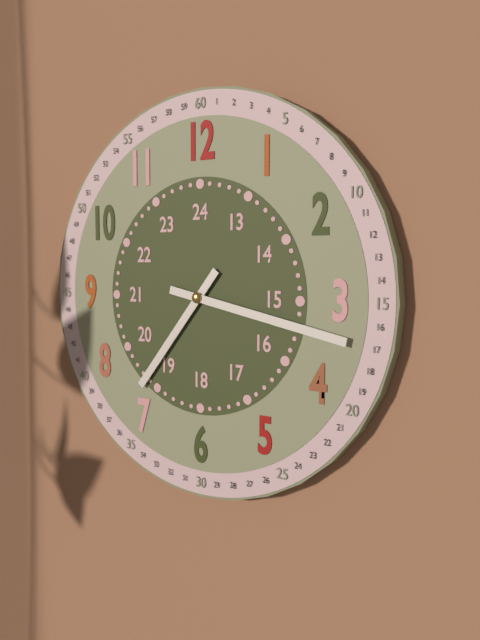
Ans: 7:17
